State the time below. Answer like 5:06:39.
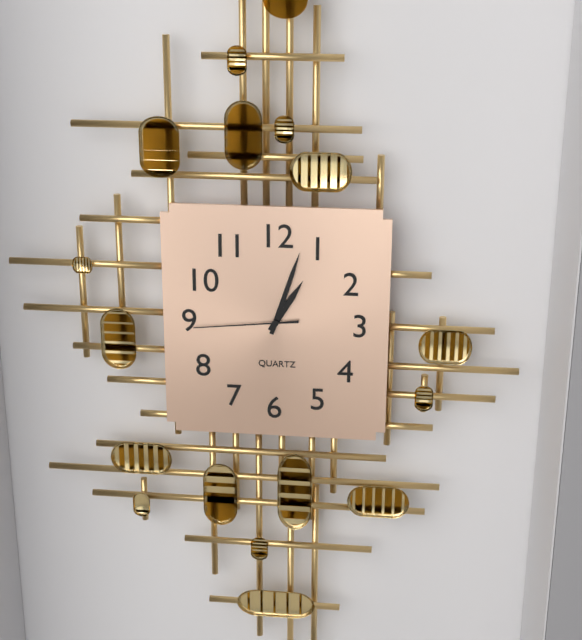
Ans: 1:03:44
